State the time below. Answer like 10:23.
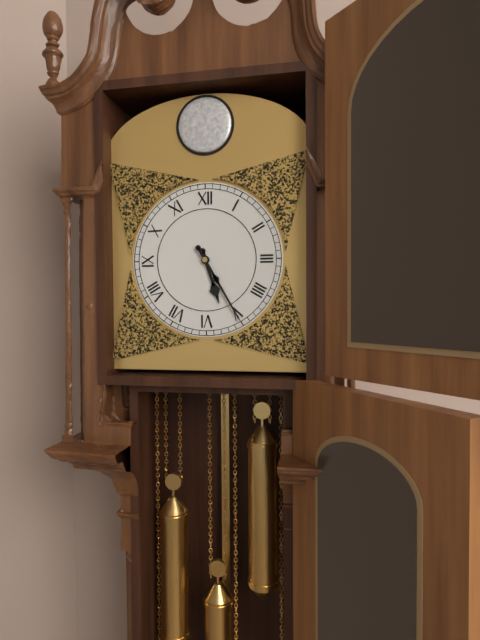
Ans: 5:25
